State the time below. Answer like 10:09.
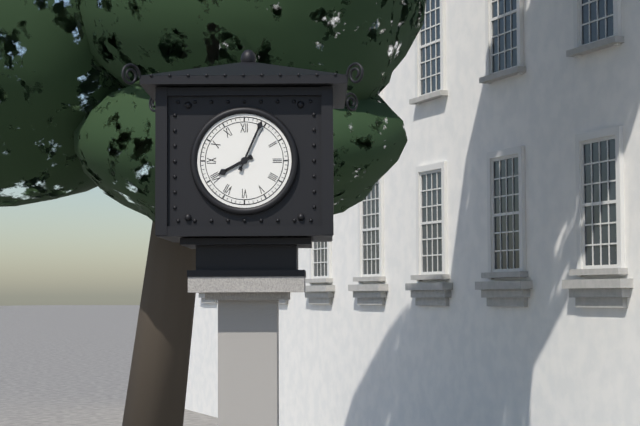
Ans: 8:04
